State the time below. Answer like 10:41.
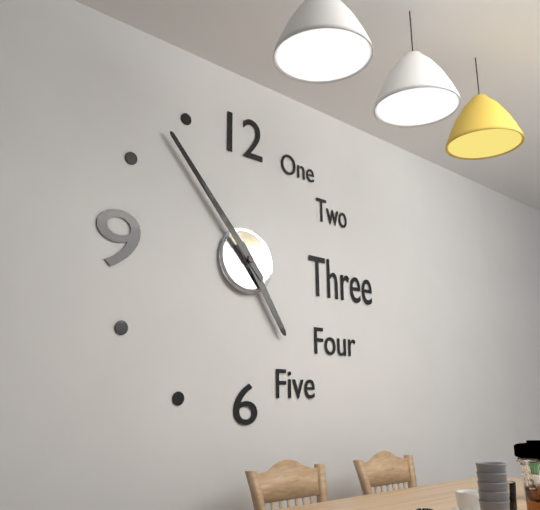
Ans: 4:53
